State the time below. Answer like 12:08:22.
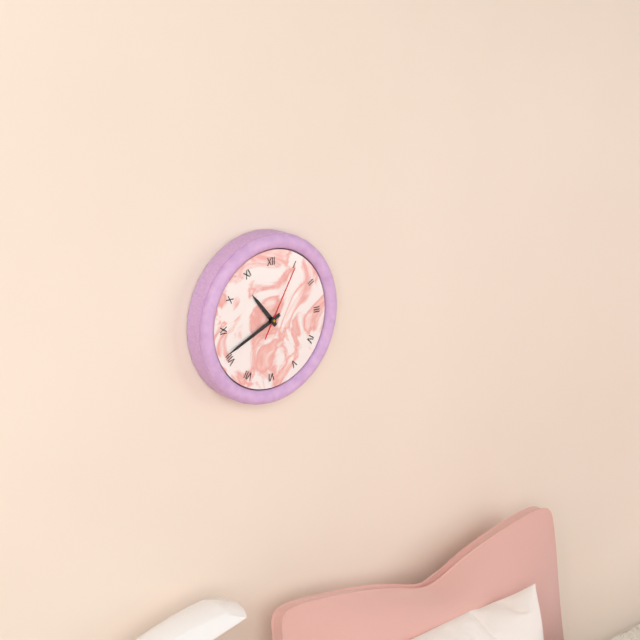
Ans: 10:41:05
